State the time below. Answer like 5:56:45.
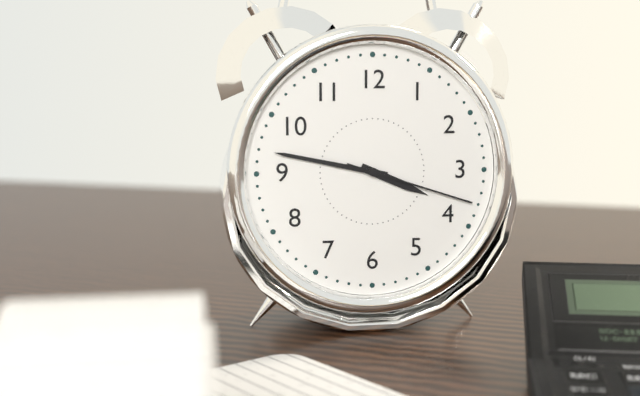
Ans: 3:47:18
